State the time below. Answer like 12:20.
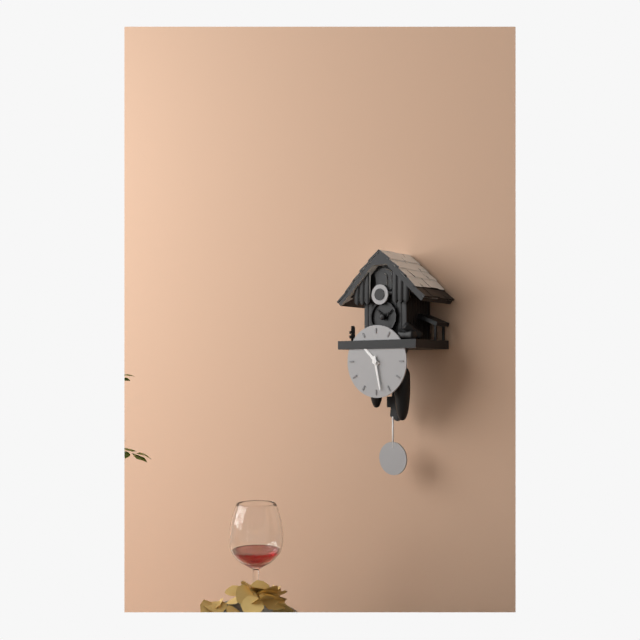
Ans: 10:28
